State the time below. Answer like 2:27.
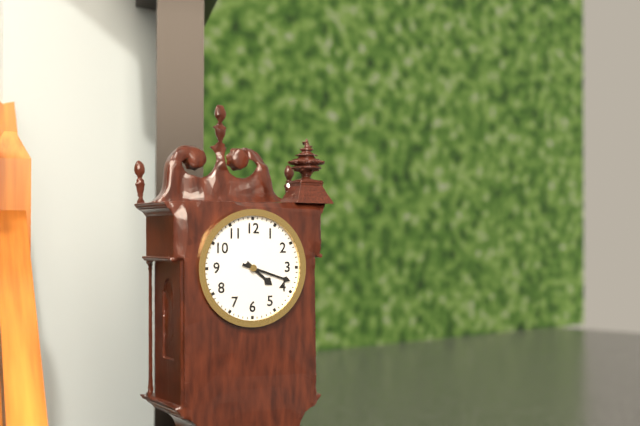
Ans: 4:18
